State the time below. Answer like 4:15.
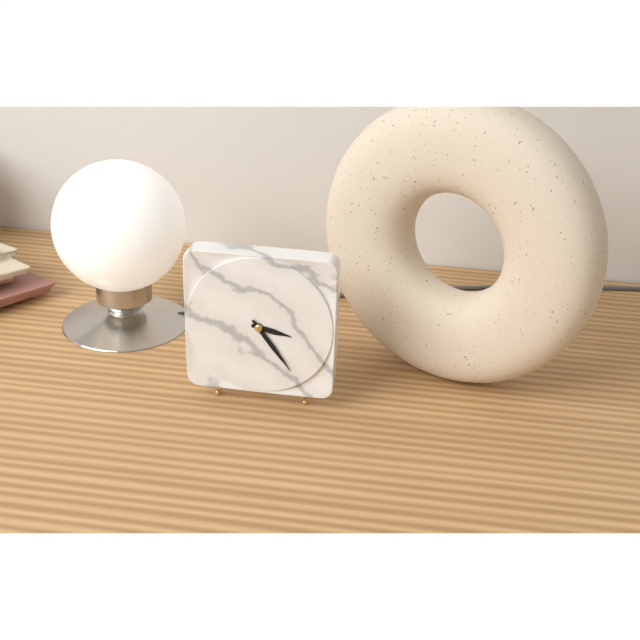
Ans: 3:24
